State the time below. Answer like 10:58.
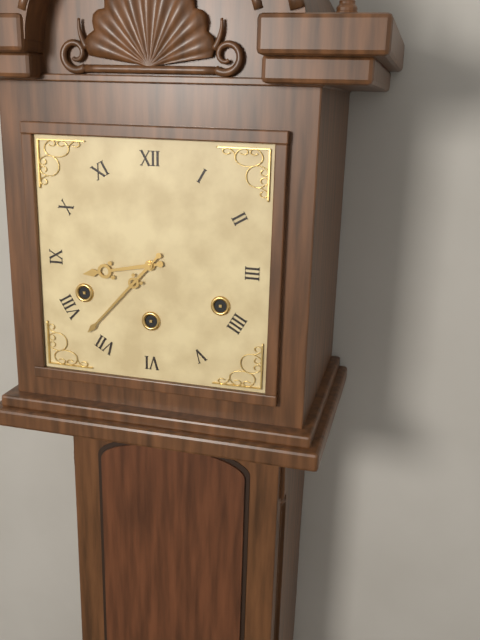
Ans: 8:37
